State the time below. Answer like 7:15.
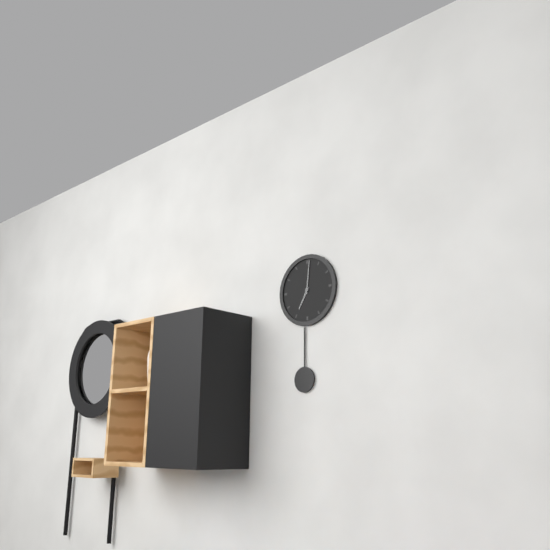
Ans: 7:01
